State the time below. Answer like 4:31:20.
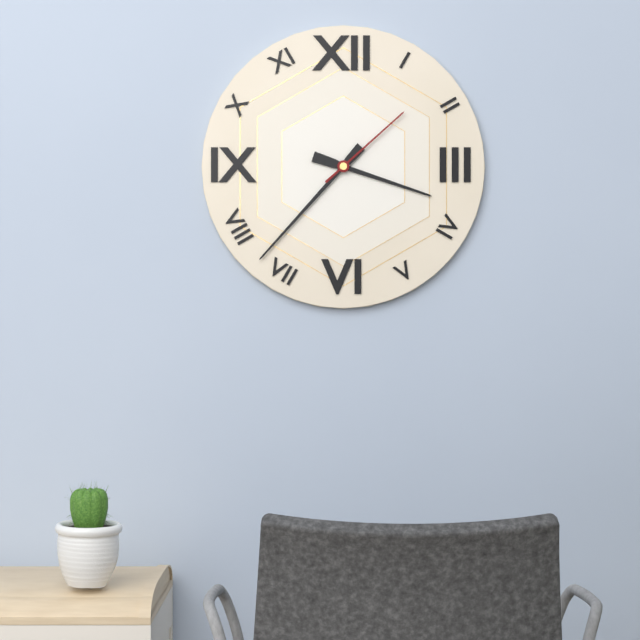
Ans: 3:37:08
